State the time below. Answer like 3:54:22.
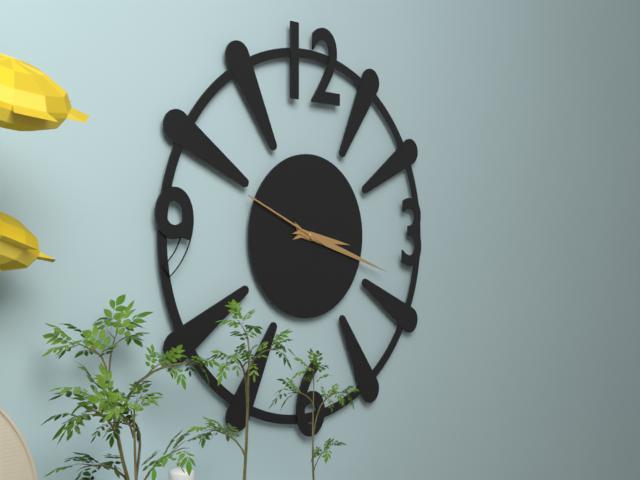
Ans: 3:18:49
